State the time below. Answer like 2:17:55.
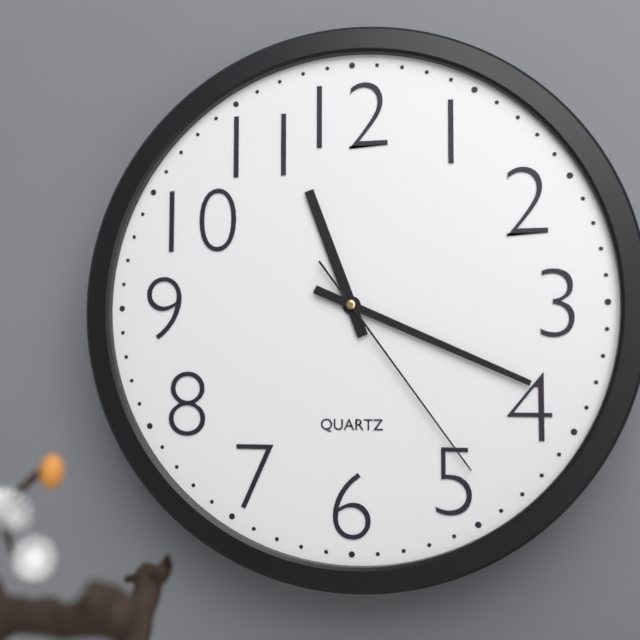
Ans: 11:19:24
